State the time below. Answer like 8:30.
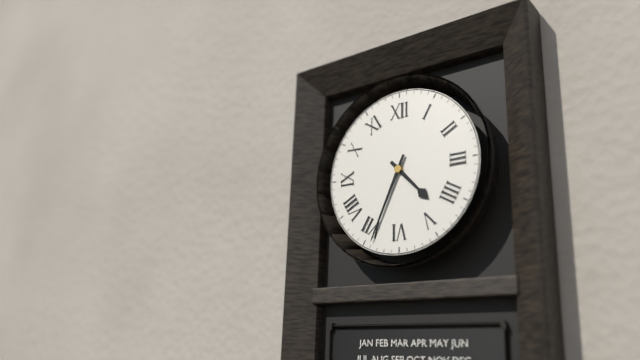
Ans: 4:34
